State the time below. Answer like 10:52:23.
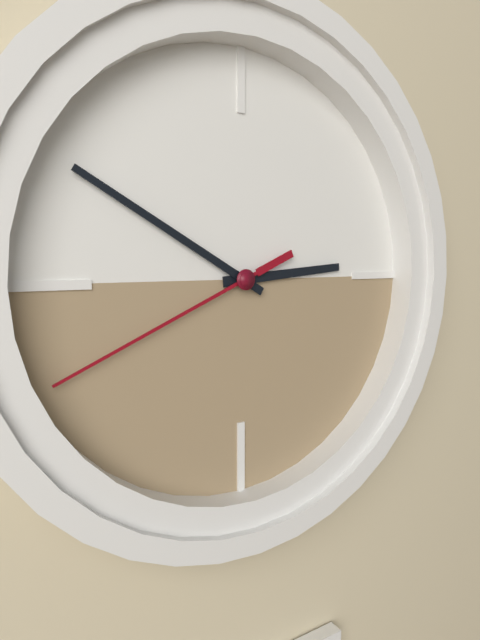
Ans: 2:50:41
